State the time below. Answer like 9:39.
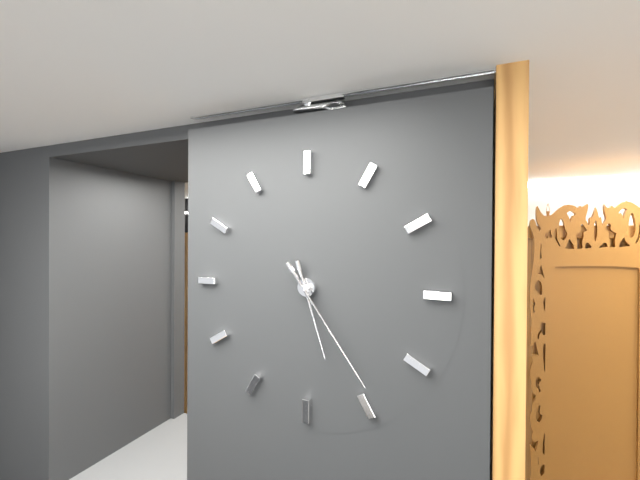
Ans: 5:24
